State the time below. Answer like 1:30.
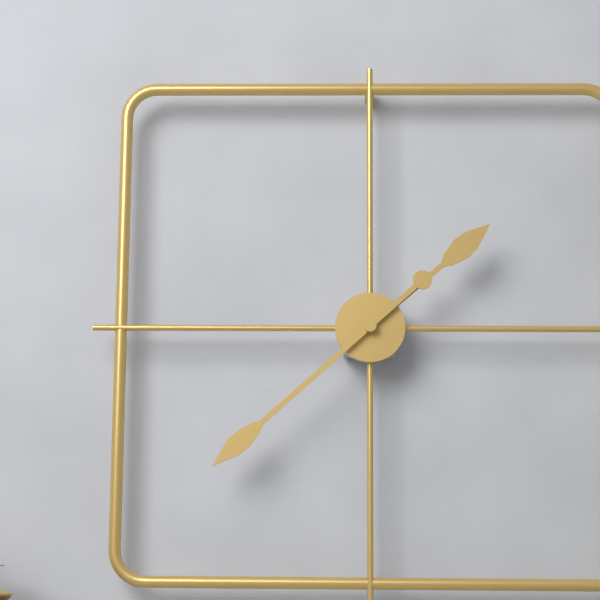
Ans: 1:38
